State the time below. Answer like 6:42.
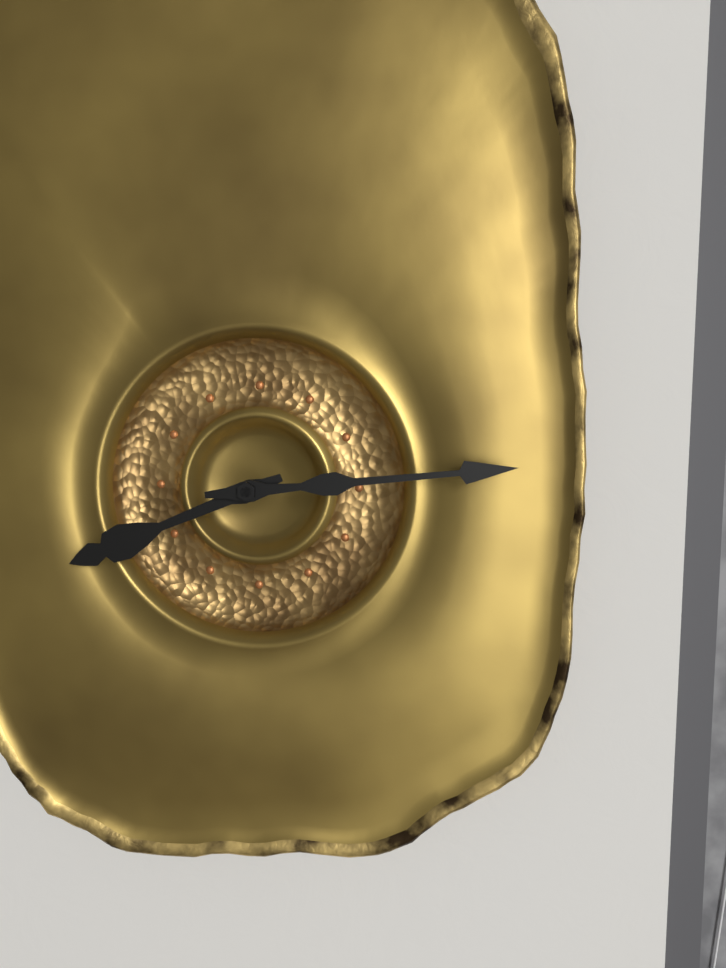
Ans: 8:14
